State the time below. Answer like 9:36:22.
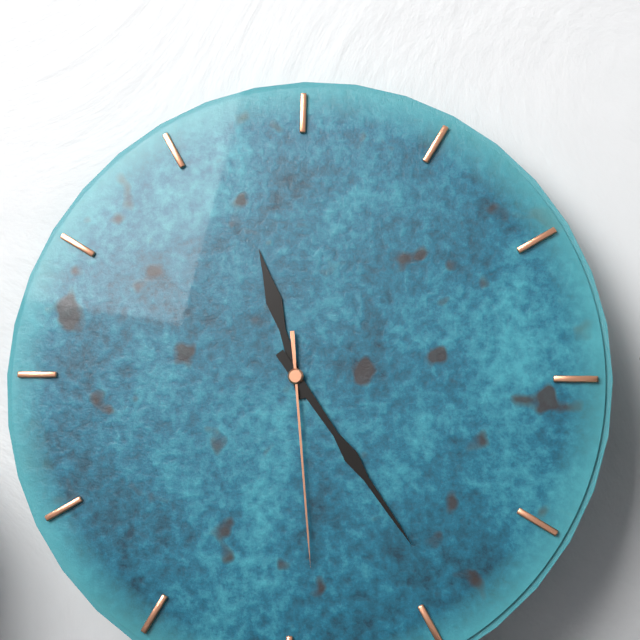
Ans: 11:24:29
